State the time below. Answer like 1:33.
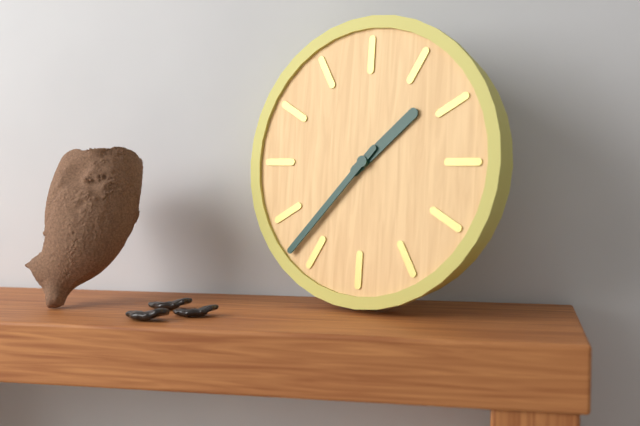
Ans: 1:37
